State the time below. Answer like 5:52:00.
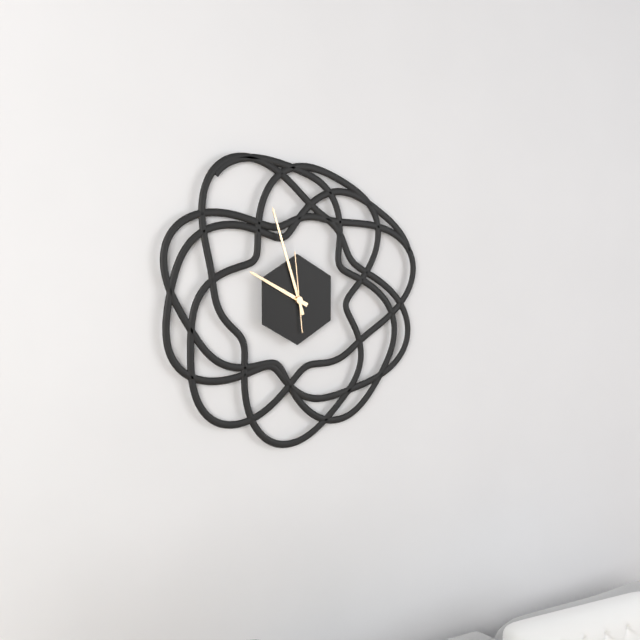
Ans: 9:57:59
